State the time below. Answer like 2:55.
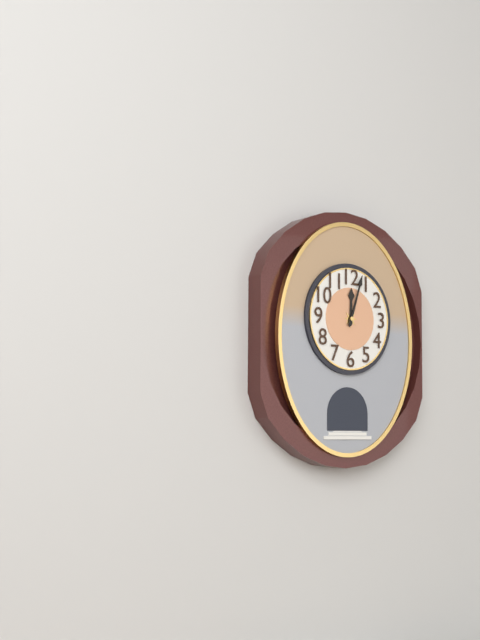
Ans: 12:03
